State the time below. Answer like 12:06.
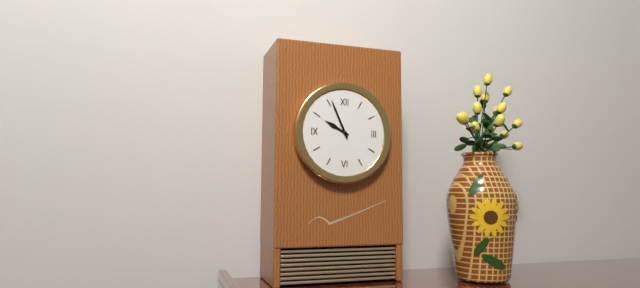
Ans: 9:56
